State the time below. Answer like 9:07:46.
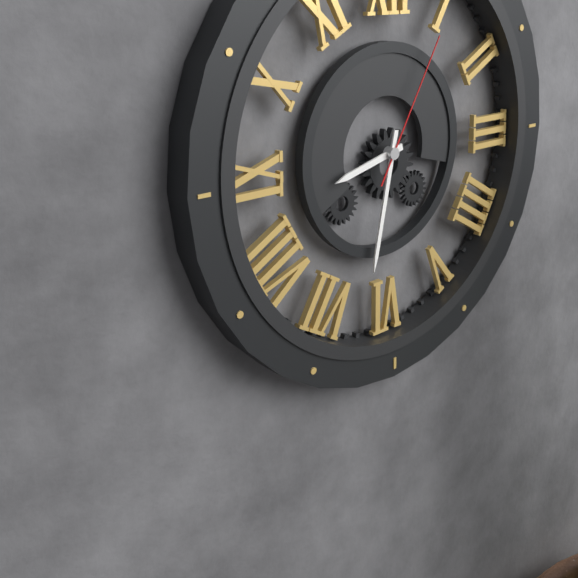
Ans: 8:32:05
